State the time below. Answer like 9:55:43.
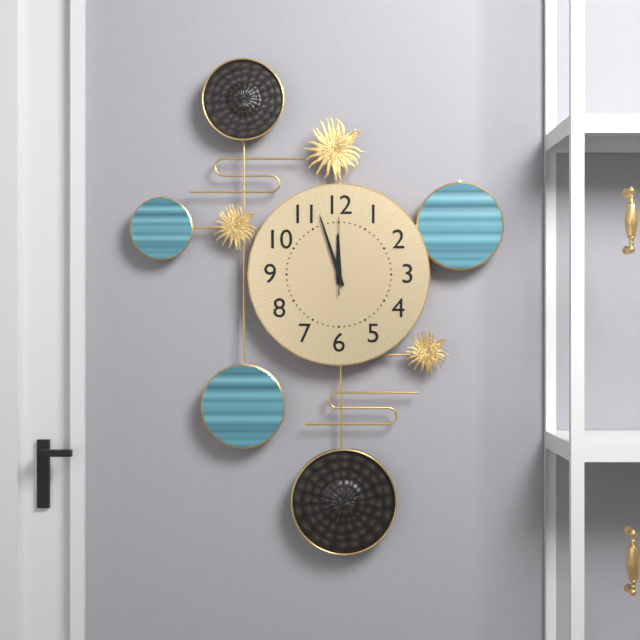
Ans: 11:57:00
